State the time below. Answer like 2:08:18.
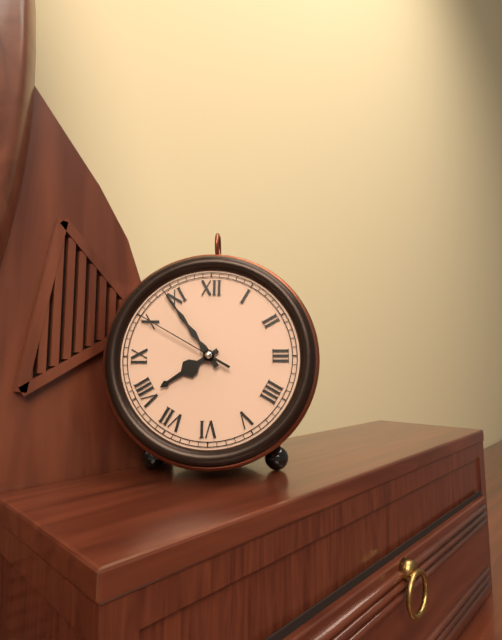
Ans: 7:54:50
